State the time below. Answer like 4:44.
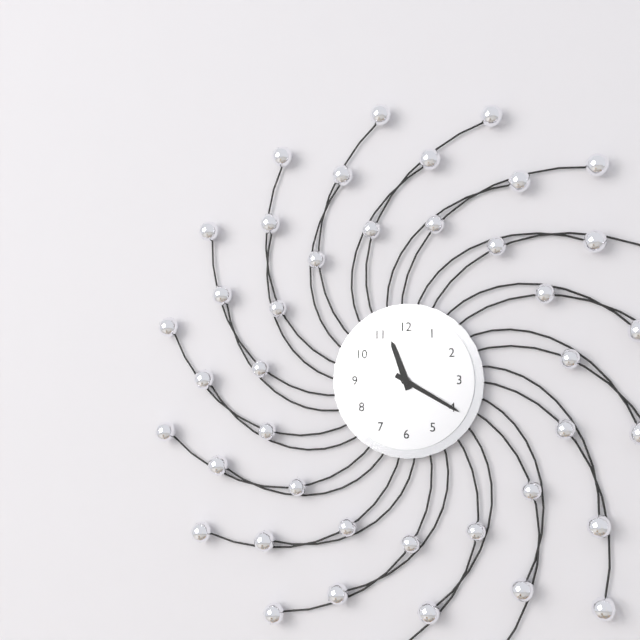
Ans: 11:20
